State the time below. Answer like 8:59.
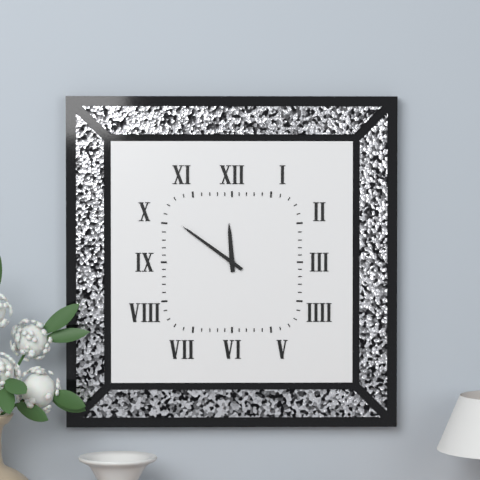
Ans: 11:51
